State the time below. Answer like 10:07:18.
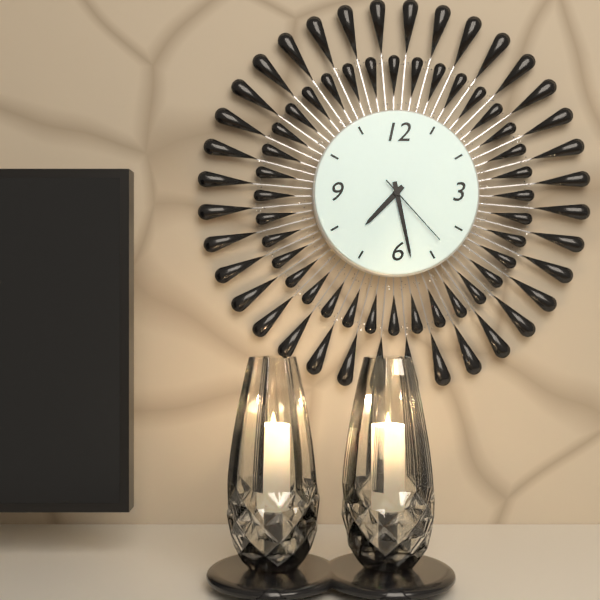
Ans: 7:28:23
